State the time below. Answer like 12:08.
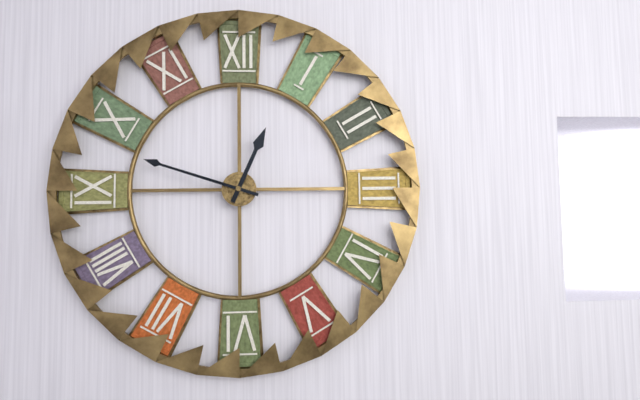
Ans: 12:48
